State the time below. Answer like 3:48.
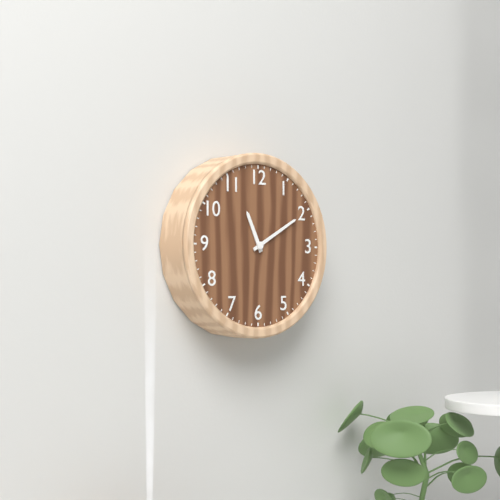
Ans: 11:10
